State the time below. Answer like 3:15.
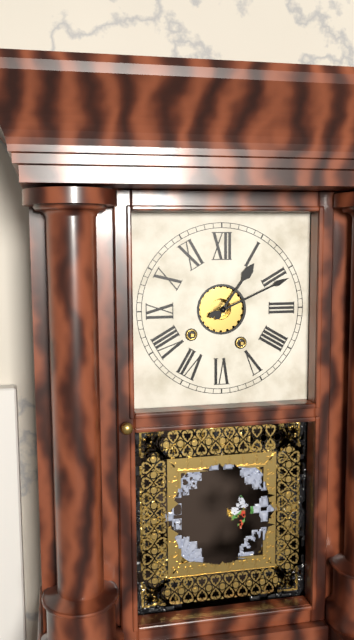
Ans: 1:11
